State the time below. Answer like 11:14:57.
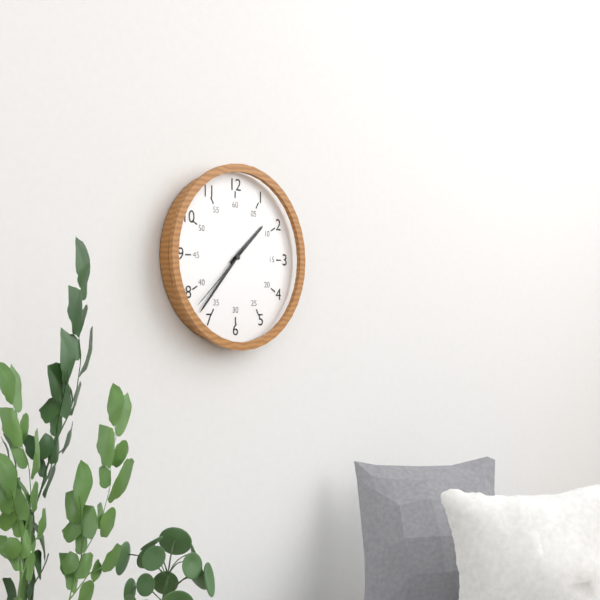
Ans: 1:37:38
